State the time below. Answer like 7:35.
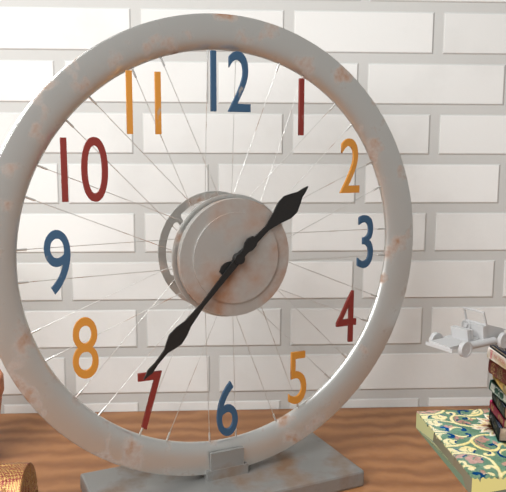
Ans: 1:37
